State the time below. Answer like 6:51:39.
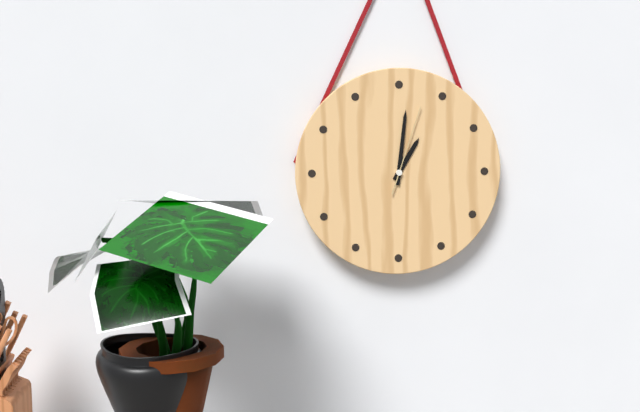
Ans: 1:01:03
